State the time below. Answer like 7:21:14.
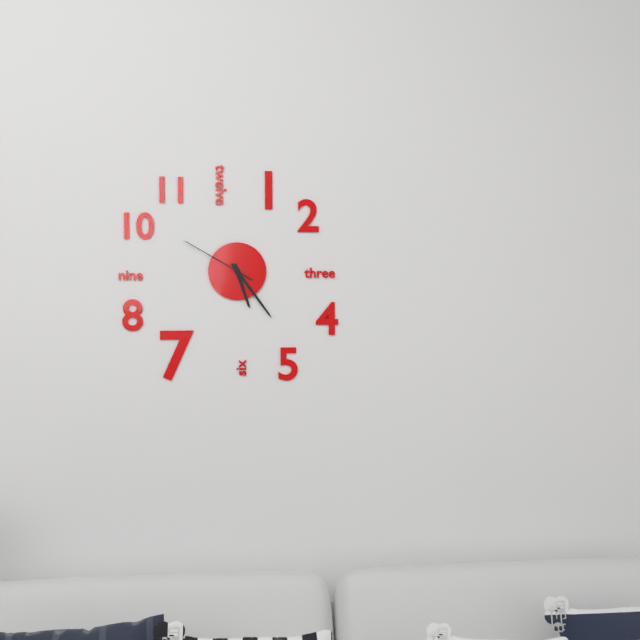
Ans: 5:24:50
